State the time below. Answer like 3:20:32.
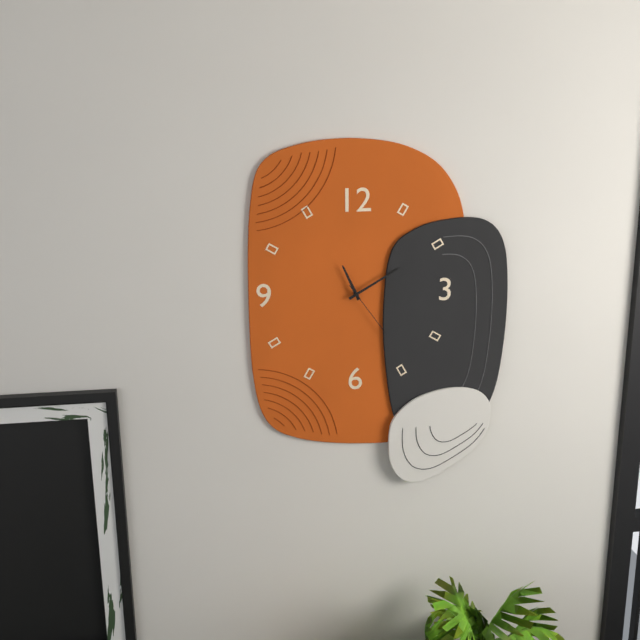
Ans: 11:10:24
